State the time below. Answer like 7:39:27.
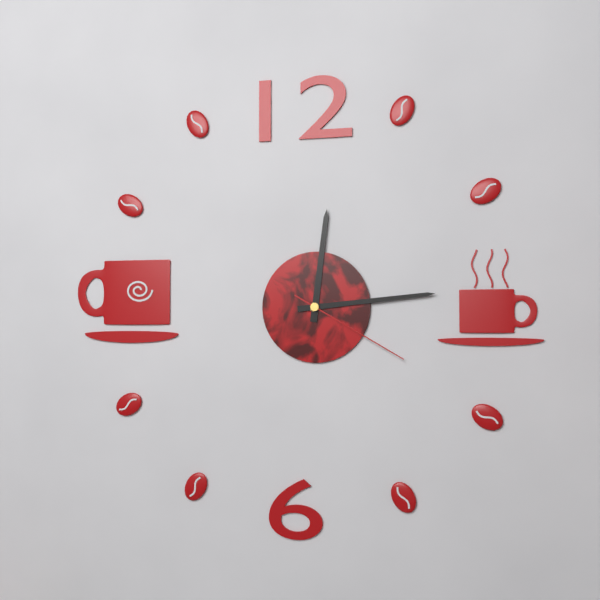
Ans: 12:14:20
